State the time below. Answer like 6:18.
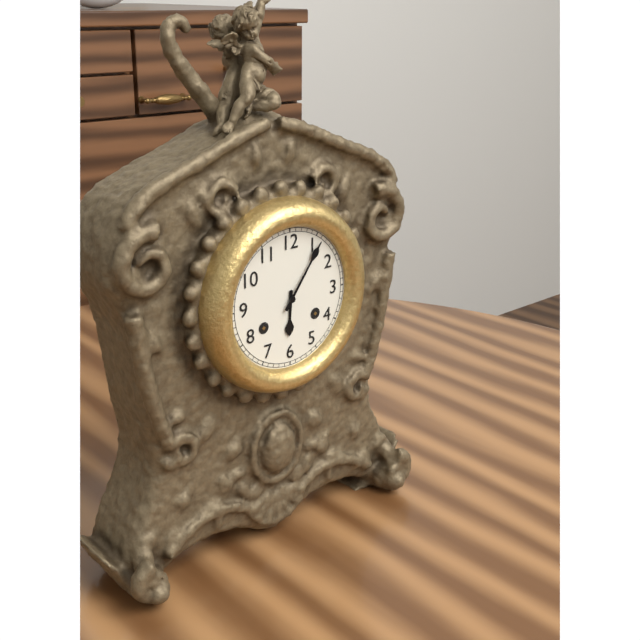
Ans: 6:06
